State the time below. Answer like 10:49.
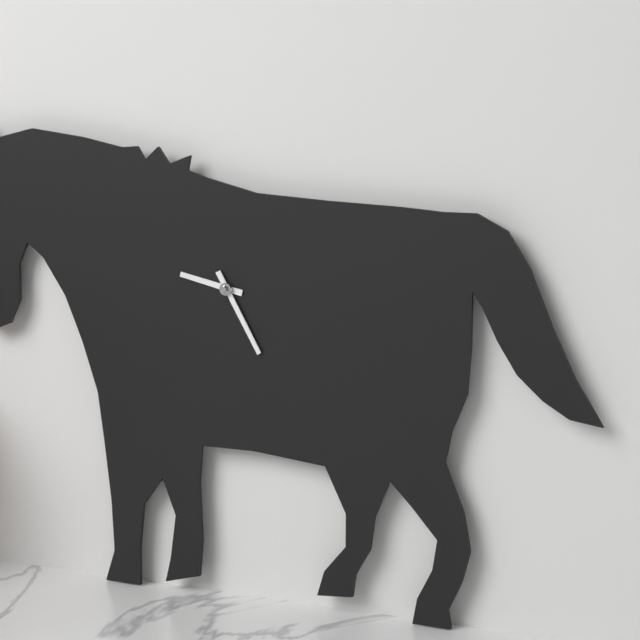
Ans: 9:25
